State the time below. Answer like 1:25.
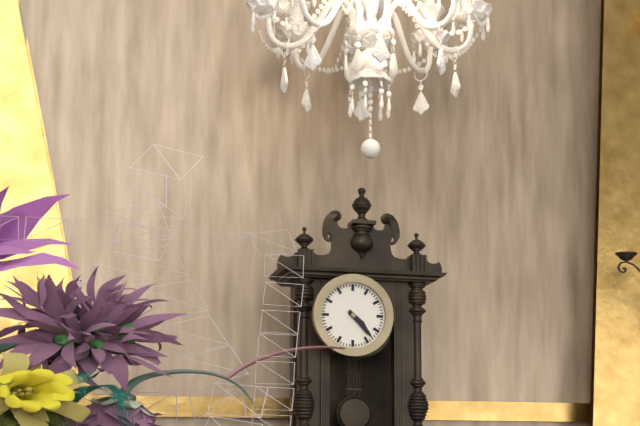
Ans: 4:23
